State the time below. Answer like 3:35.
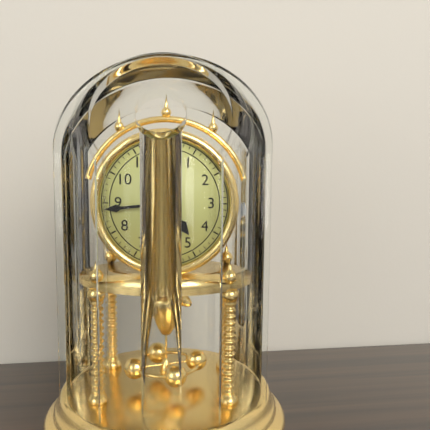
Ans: 4:44
